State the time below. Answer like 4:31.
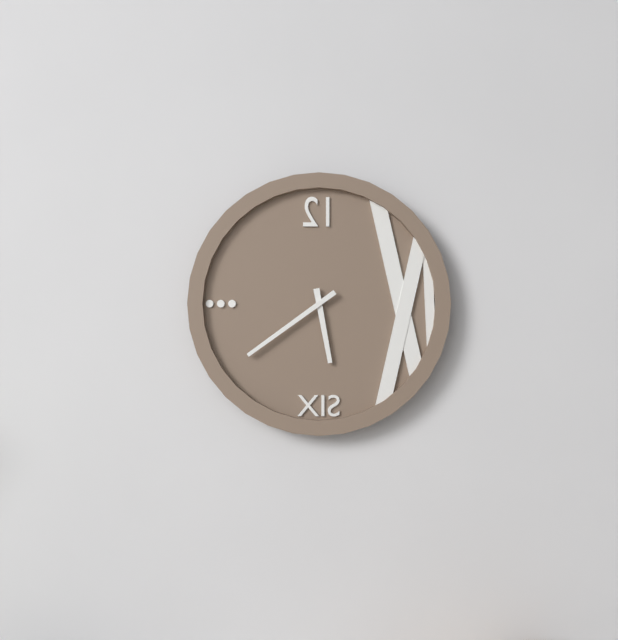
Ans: 5:39
